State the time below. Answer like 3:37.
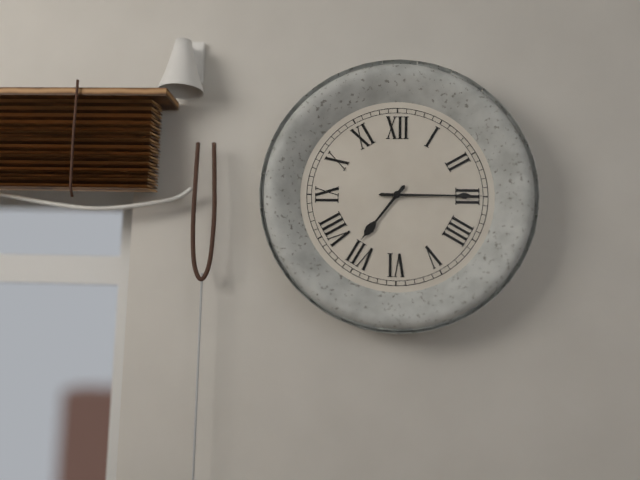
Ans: 7:15
